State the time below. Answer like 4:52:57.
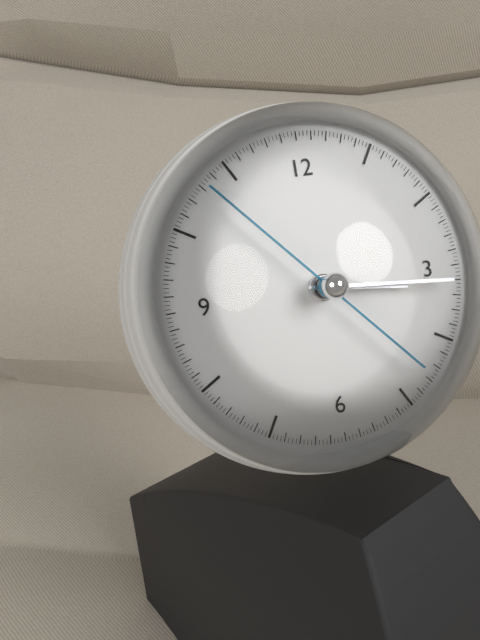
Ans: 3:16:53
